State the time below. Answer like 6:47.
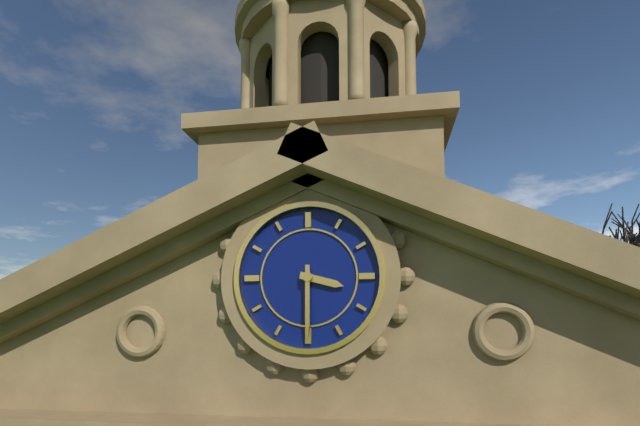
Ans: 3:30
